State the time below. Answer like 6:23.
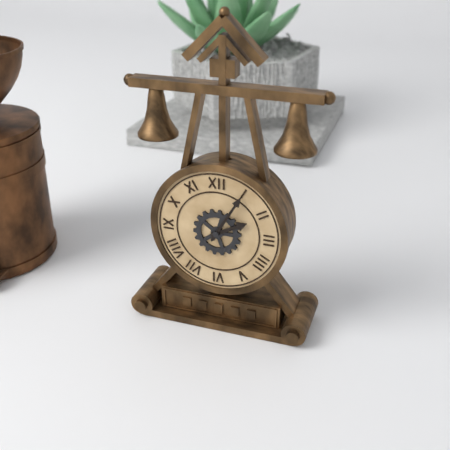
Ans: 2:05
